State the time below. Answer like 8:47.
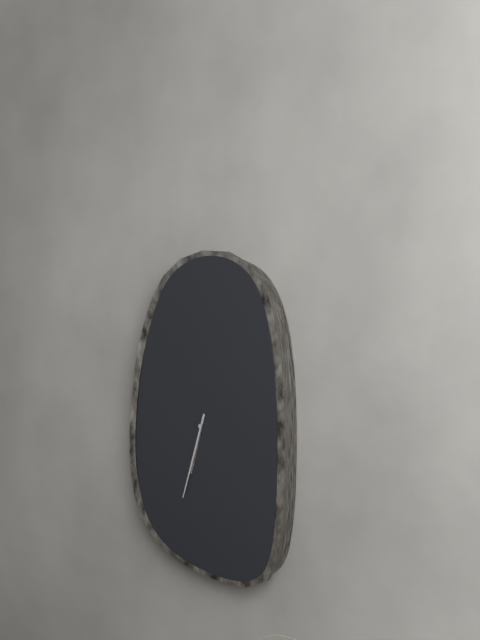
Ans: 6:33
